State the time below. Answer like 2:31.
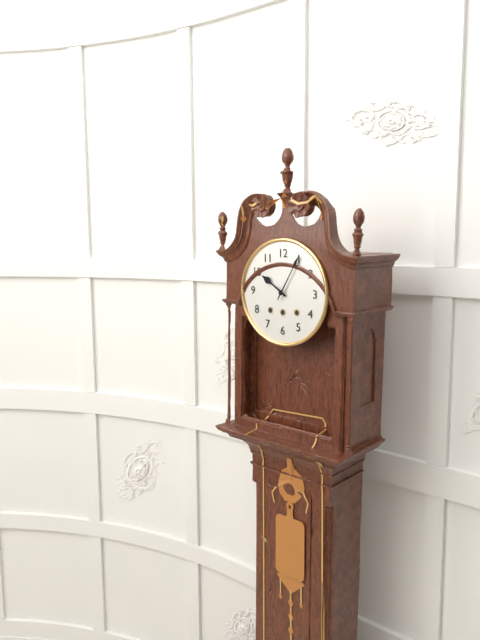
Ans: 10:05
